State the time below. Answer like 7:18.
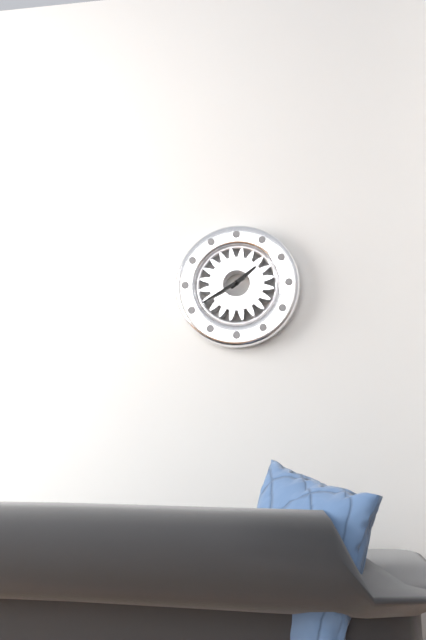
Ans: 1:40
